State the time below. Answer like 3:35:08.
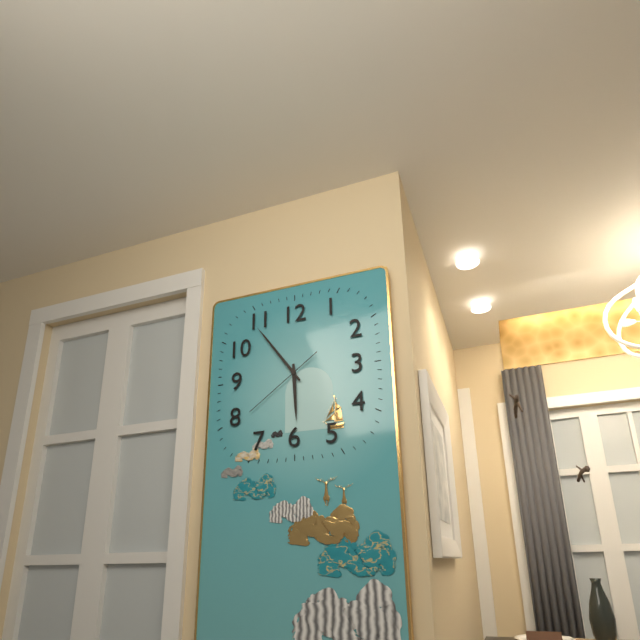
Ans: 5:54:39
